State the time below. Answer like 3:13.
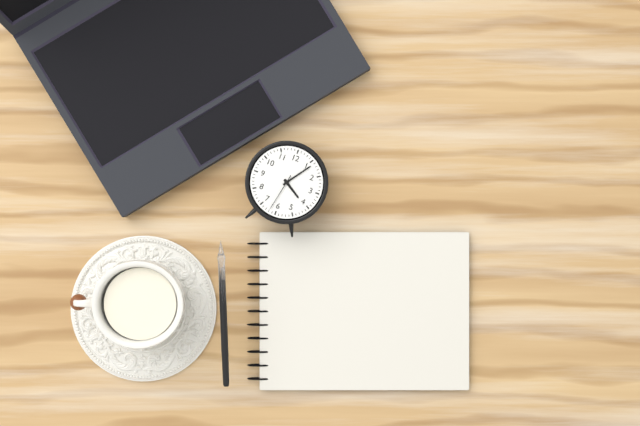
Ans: 4:06
